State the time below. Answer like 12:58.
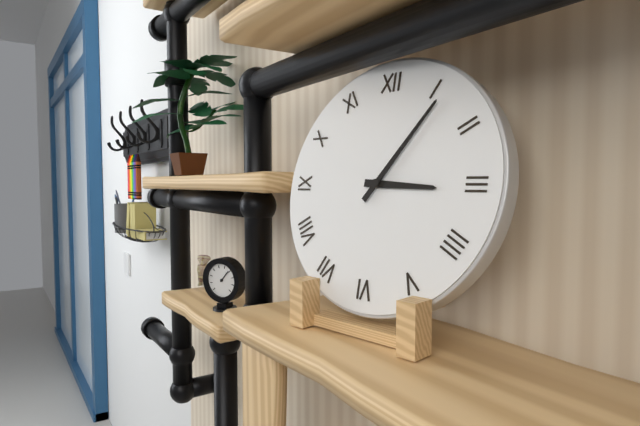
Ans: 3:06
